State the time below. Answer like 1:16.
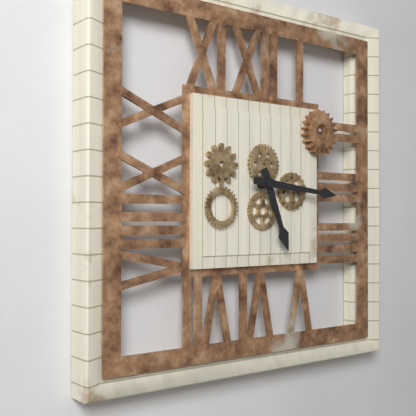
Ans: 5:16
